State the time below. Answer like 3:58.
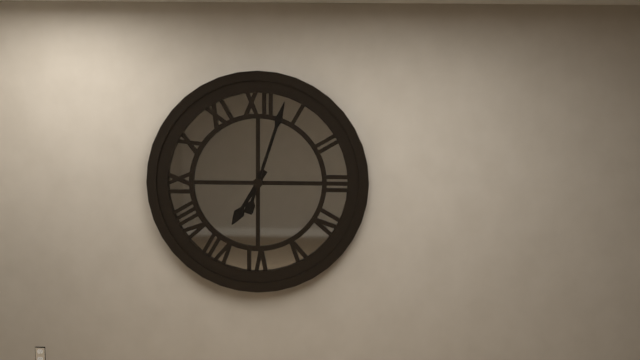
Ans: 7:03
